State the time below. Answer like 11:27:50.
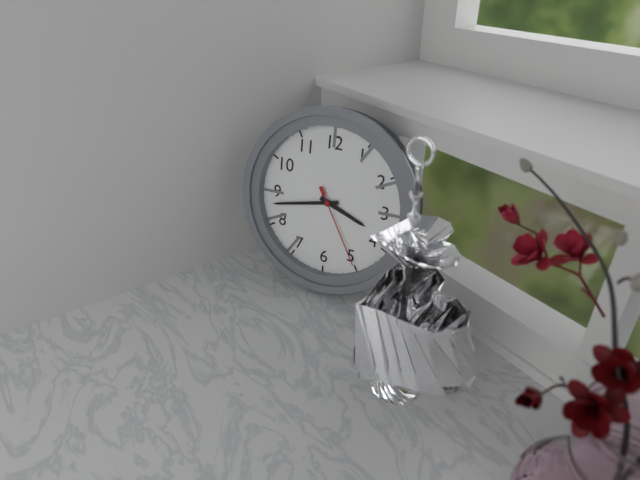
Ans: 3:43:25
